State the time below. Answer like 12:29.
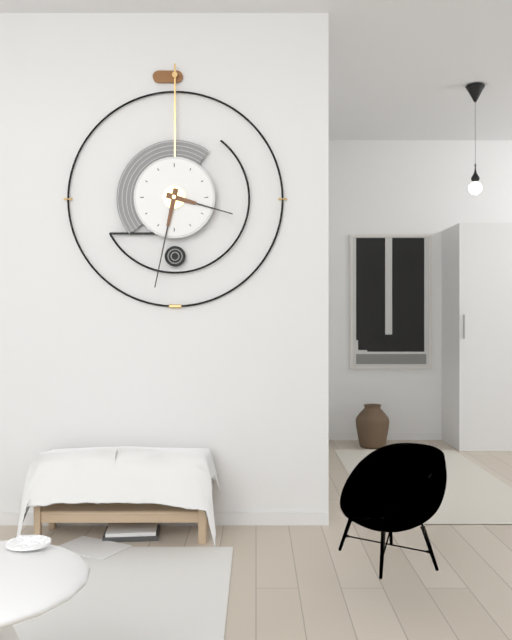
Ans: 3:32
